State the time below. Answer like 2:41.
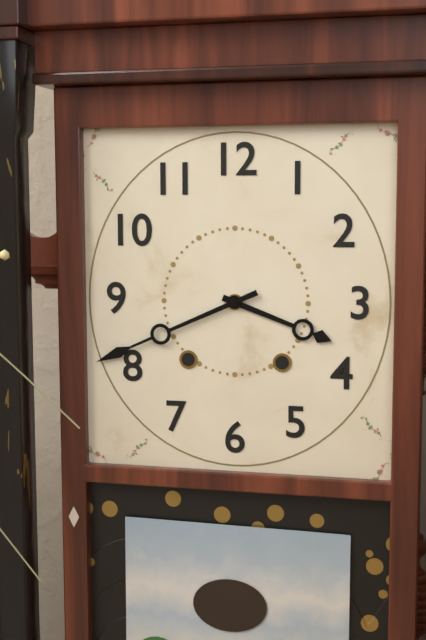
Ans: 3:41
